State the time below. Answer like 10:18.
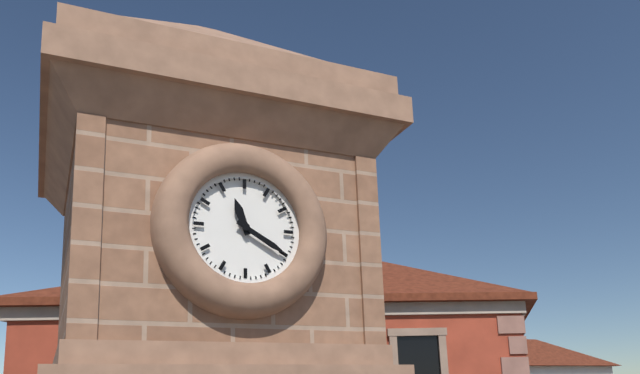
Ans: 11:20
